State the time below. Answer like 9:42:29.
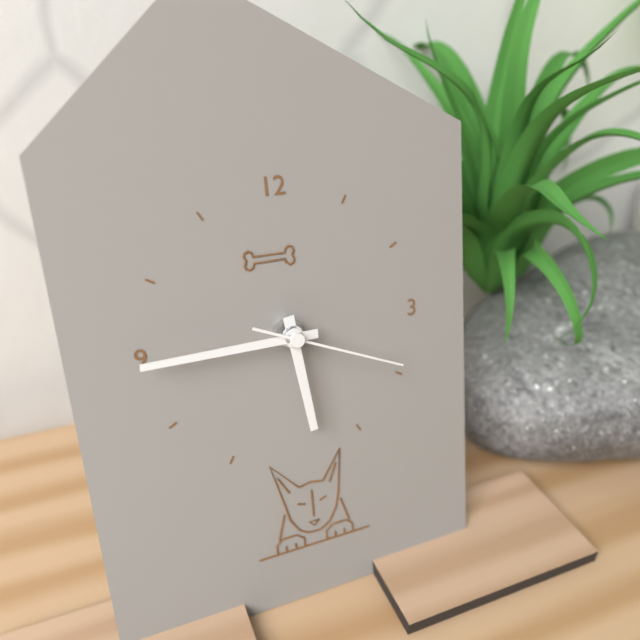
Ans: 5:45:19
